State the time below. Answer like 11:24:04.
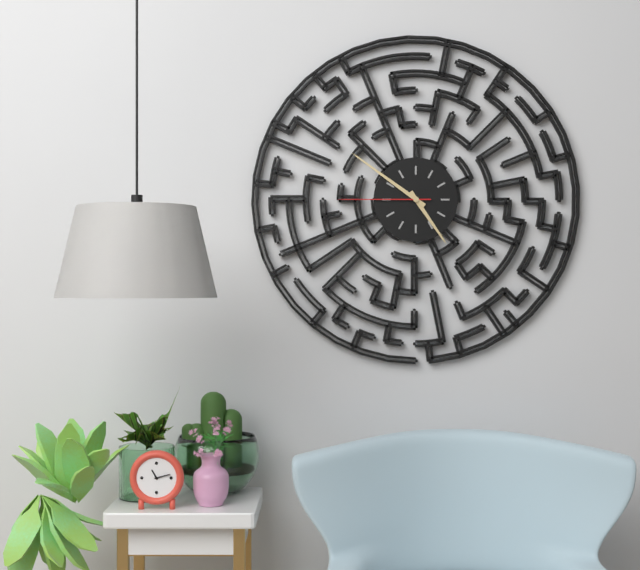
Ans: 4:51:45
